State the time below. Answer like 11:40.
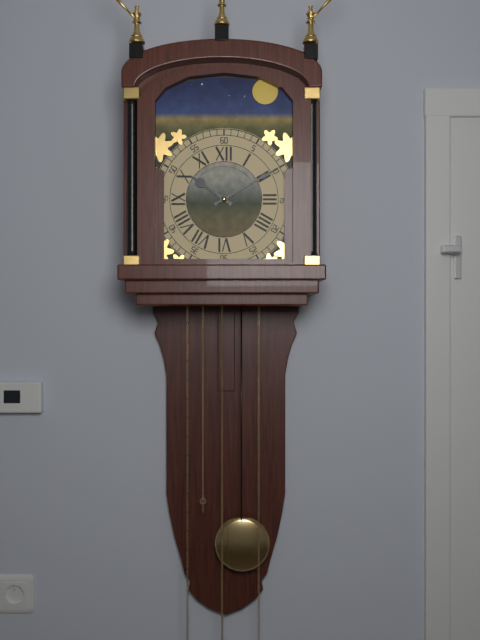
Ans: 10:10
